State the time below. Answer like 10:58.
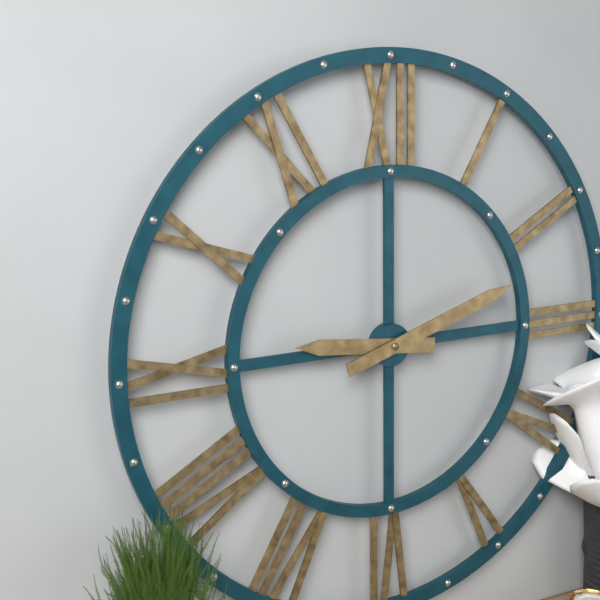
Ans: 9:12
